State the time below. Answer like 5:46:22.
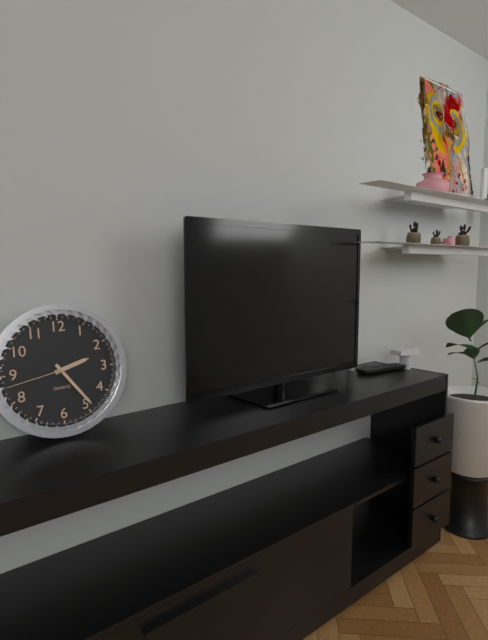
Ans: 2:24:43
